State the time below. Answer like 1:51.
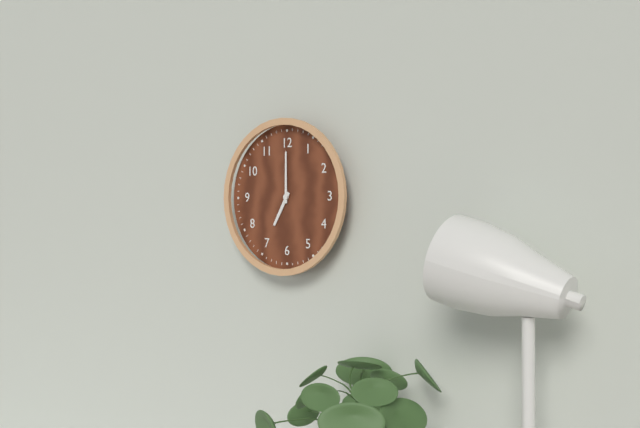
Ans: 7:00
